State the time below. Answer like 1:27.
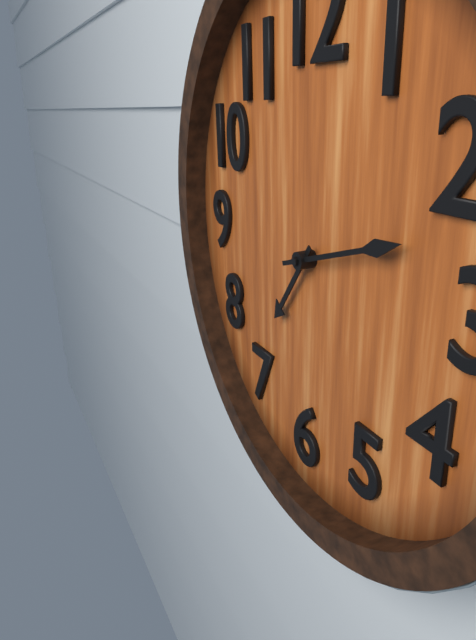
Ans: 7:12
